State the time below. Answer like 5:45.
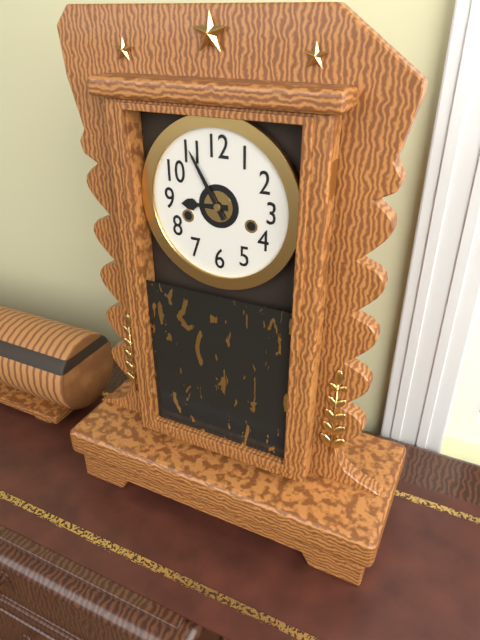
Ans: 8:55
